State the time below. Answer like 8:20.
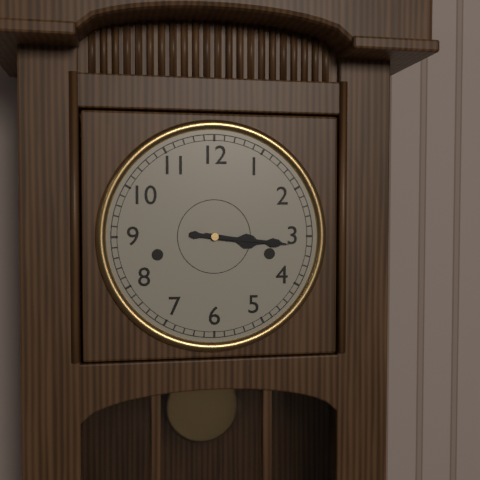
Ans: 3:16
